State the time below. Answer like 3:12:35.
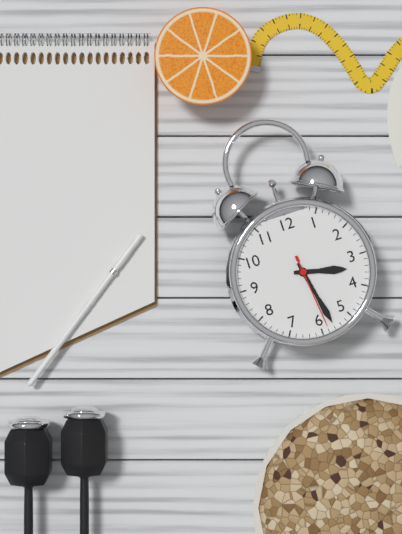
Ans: 3:28:29
